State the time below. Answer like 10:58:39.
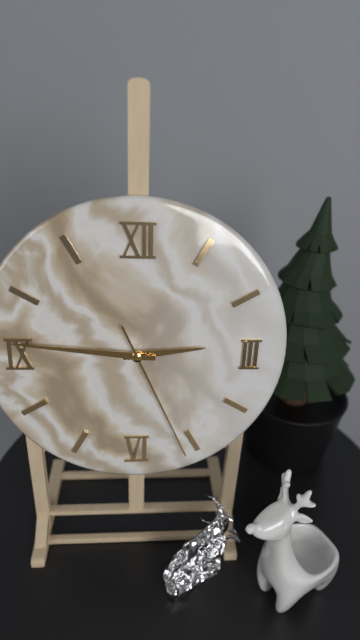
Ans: 2:46:26
